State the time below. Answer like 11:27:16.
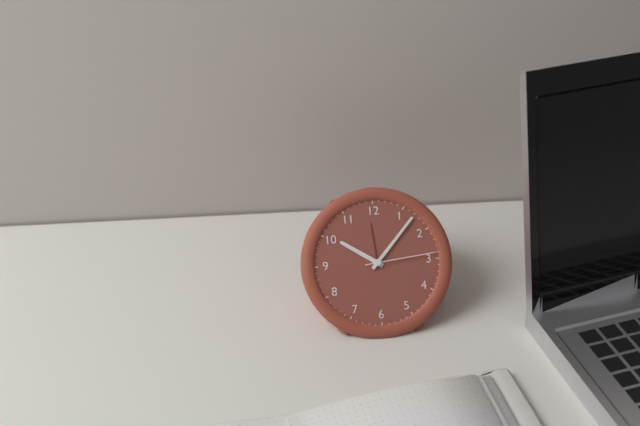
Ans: 10:07:14
